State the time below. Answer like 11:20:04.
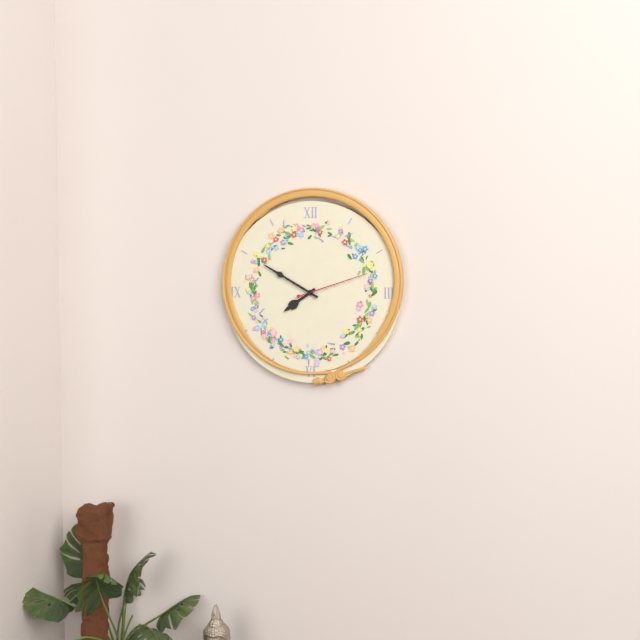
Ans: 7:50:12
